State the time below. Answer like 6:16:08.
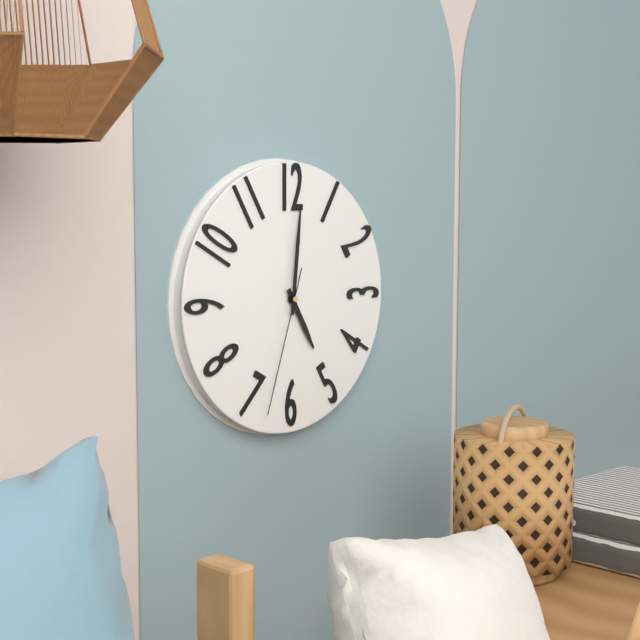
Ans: 5:01:33
